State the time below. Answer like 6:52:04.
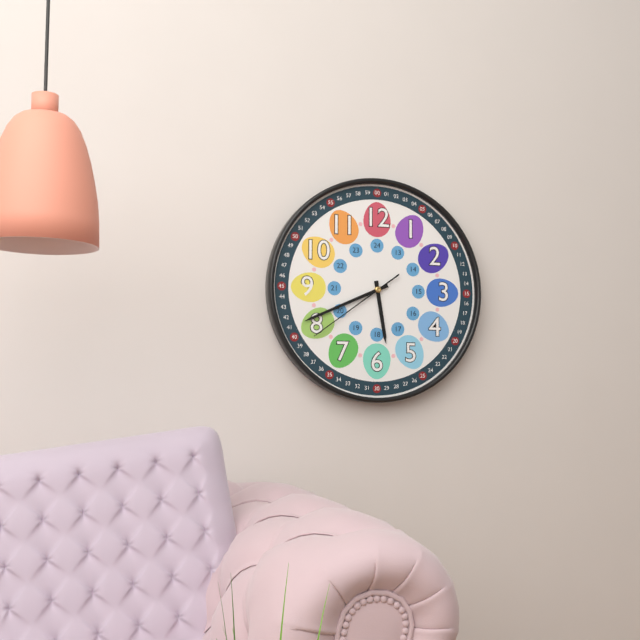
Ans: 5:41:39
